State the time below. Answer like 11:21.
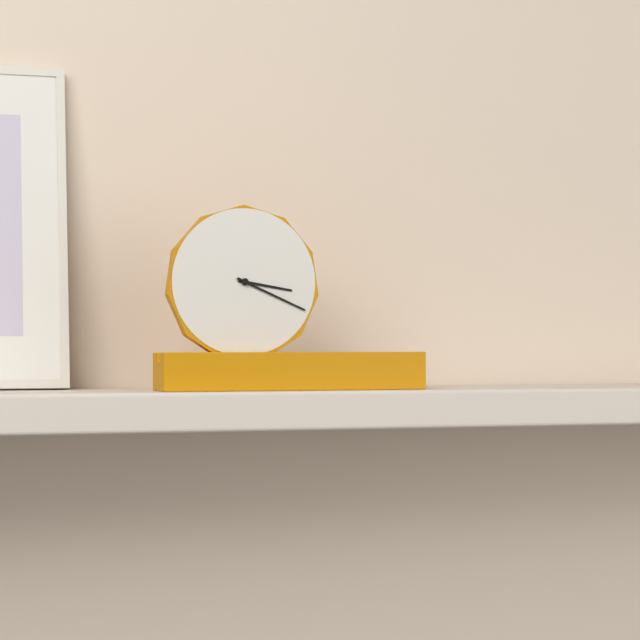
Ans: 3:19
